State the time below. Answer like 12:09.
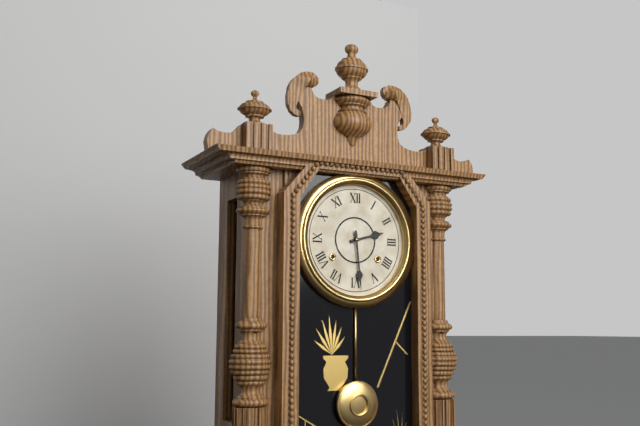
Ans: 2:29
